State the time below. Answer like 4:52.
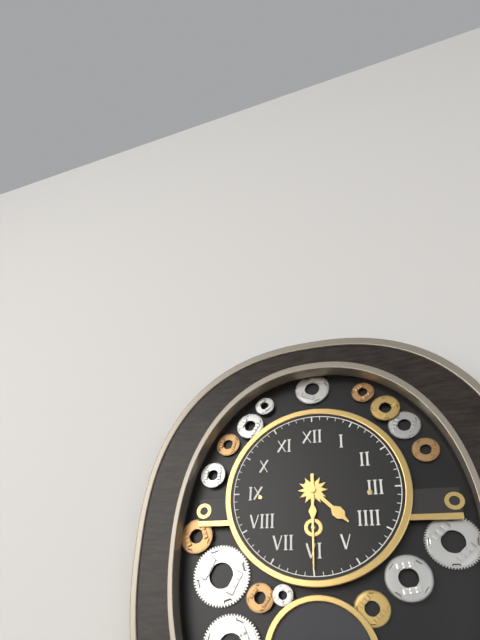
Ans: 4:30
